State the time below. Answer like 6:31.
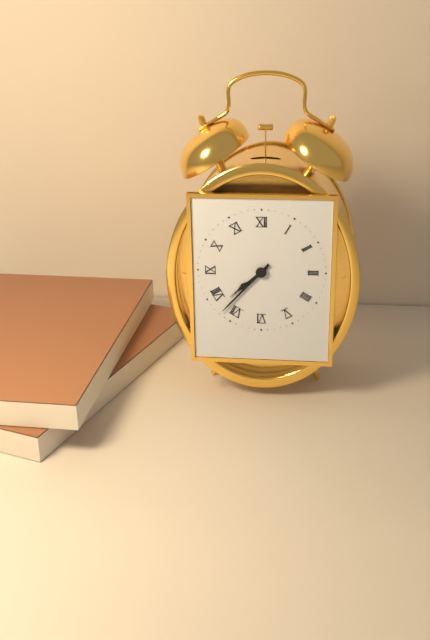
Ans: 7:37
